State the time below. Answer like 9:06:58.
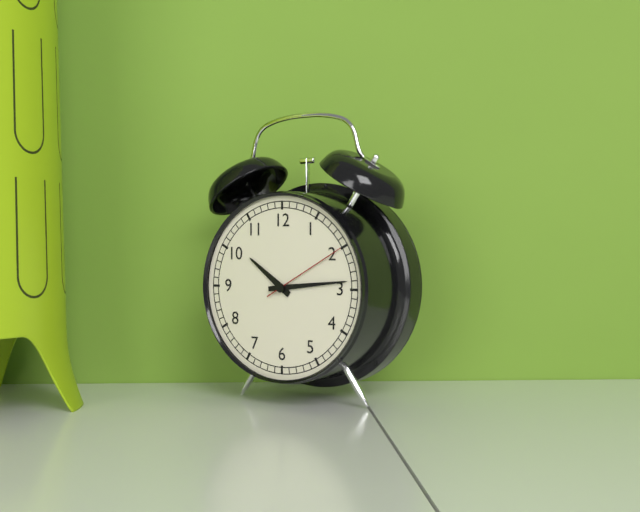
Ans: 10:14:10
